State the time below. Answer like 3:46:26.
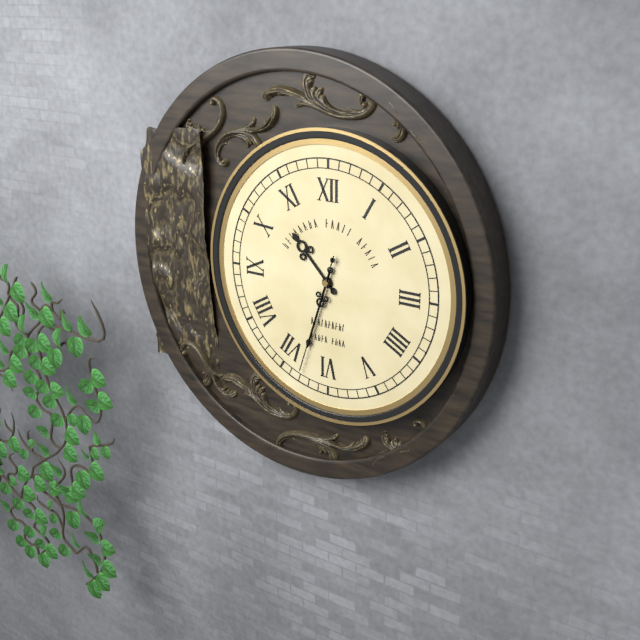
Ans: 10:33:33
